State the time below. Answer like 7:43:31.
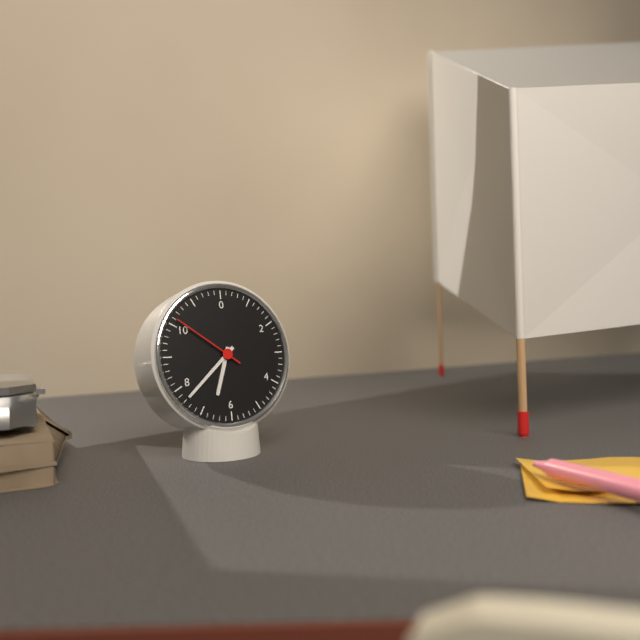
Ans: 6:38:51
